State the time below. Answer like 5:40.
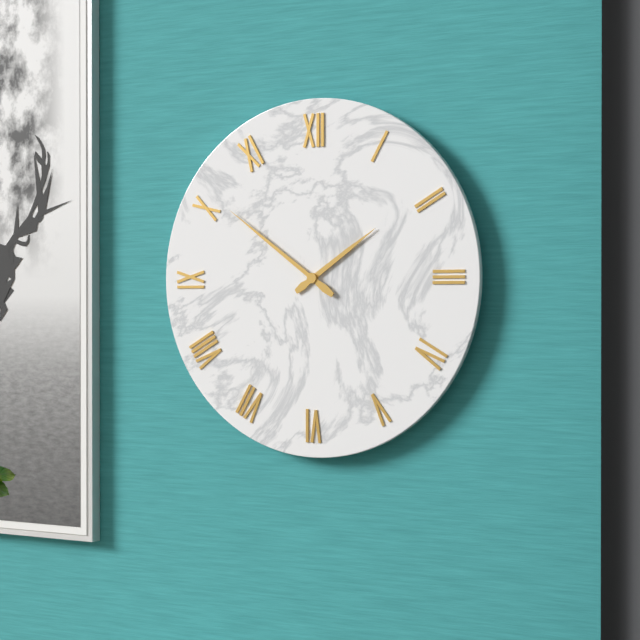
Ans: 1:51
